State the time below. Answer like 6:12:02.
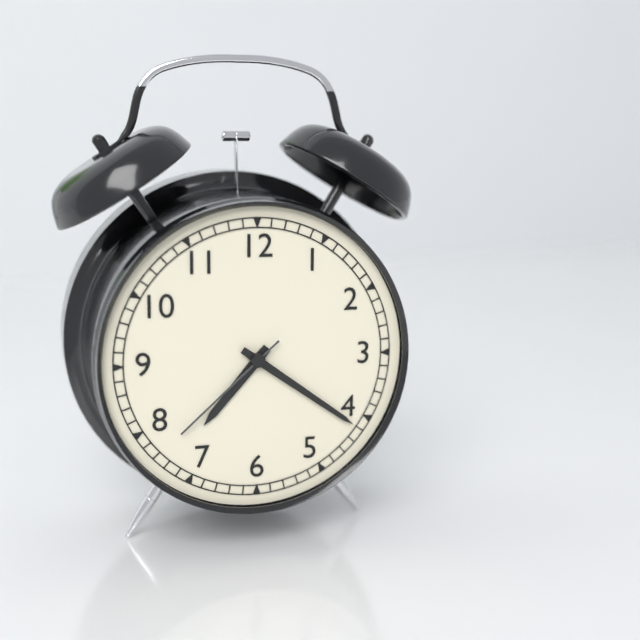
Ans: 7:21:38
